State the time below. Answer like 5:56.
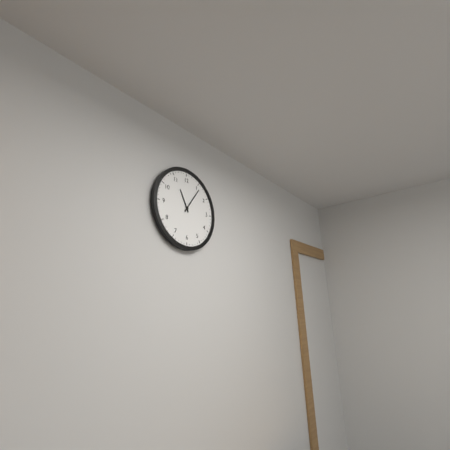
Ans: 11:06
